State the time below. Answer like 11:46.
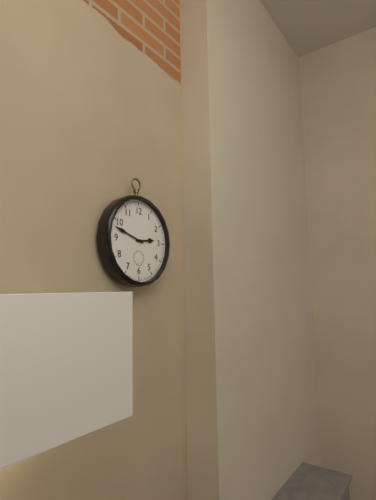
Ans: 2:48
